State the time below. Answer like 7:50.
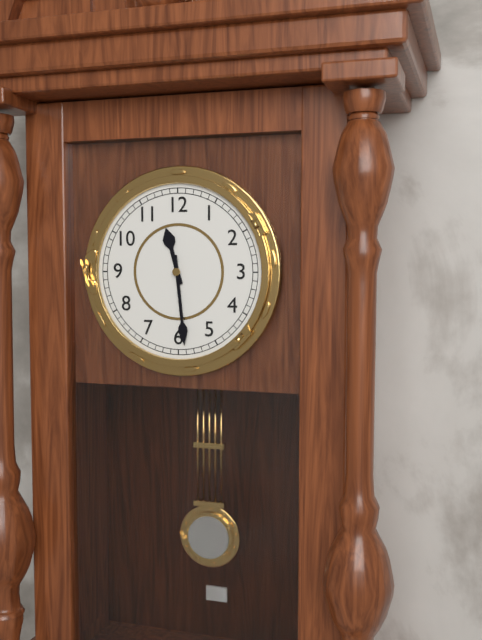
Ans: 11:29
